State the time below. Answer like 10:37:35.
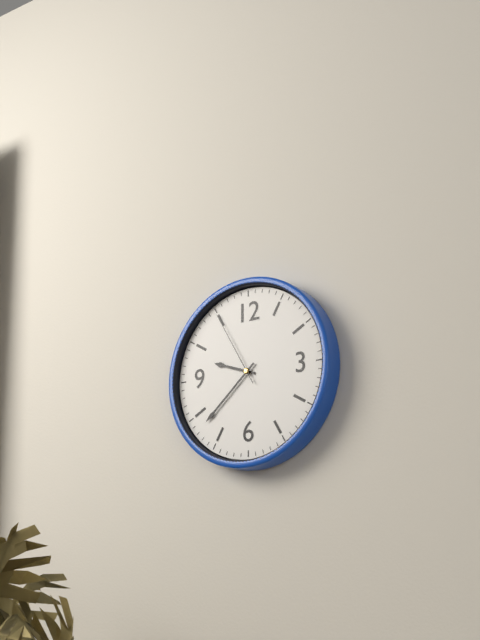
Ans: 9:38:55
